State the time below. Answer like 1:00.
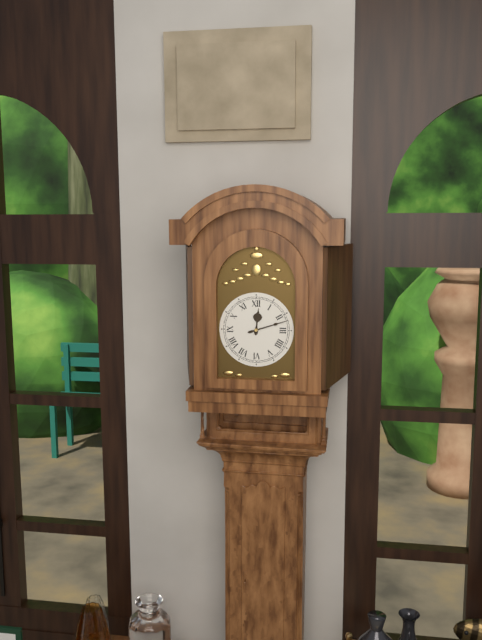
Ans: 12:12
